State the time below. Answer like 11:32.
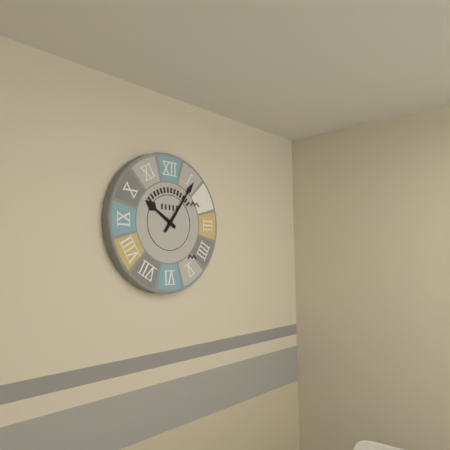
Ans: 10:06
